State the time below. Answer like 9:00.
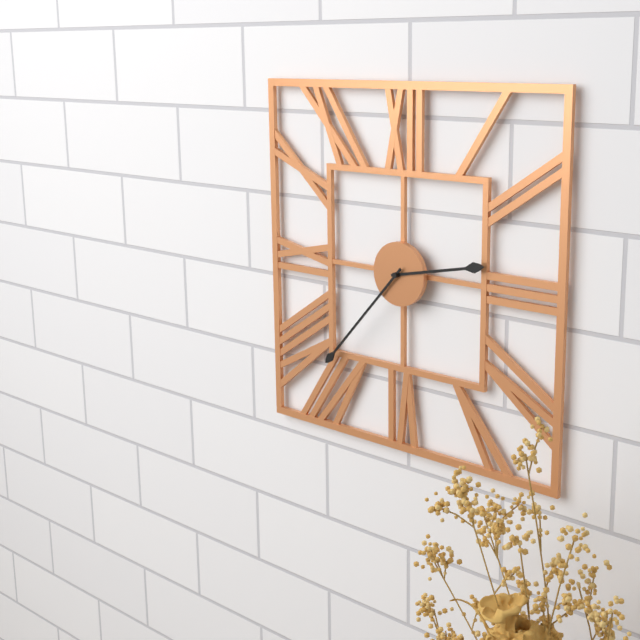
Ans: 2:37
